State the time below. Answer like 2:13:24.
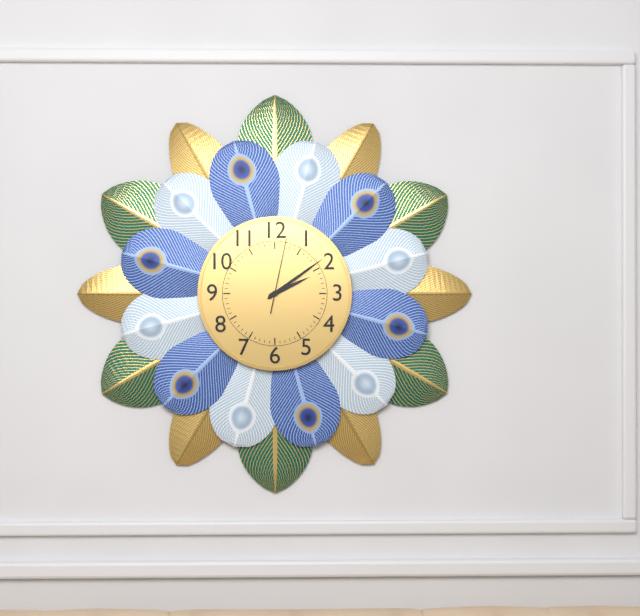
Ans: 2:09:02
